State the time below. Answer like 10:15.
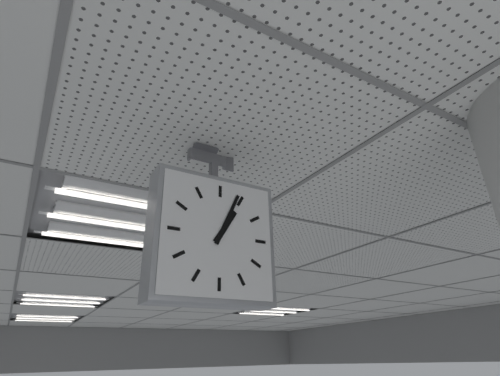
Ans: 1:04
